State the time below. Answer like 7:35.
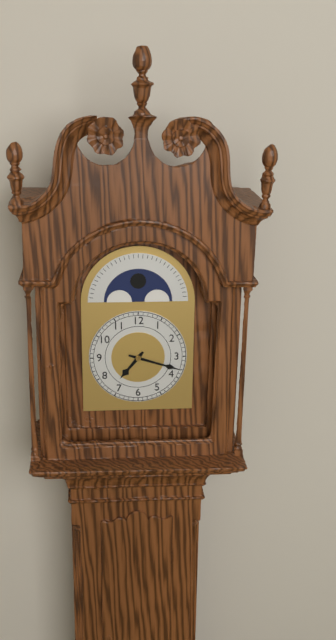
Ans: 7:18
